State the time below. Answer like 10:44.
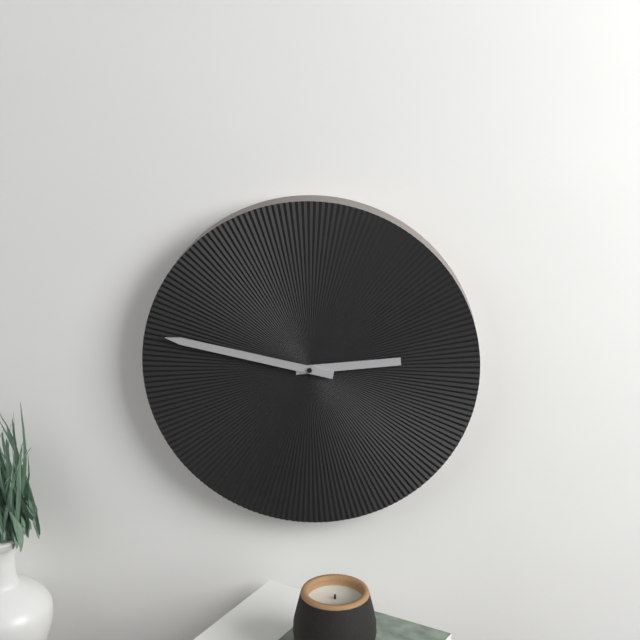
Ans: 2:47
